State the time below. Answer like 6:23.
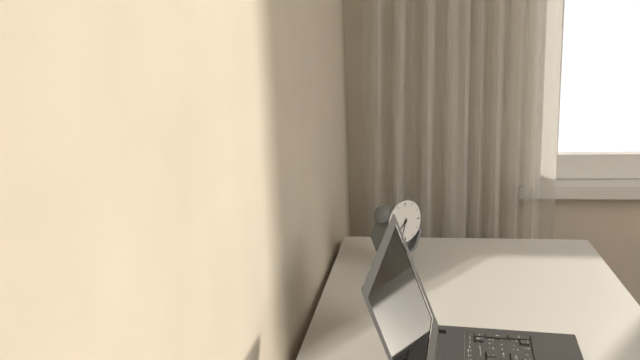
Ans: 7:33
